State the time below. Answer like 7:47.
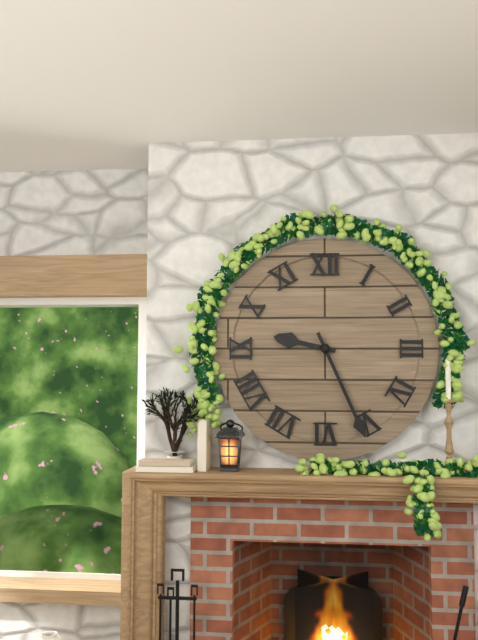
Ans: 9:26
